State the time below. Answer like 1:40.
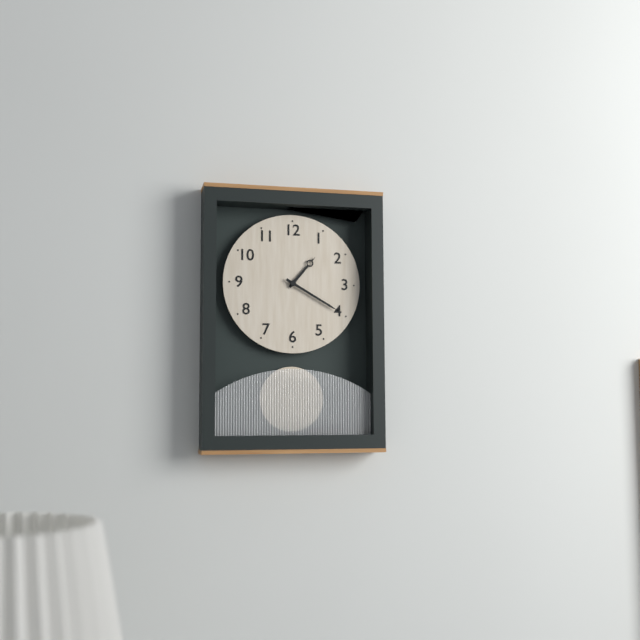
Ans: 1:20
